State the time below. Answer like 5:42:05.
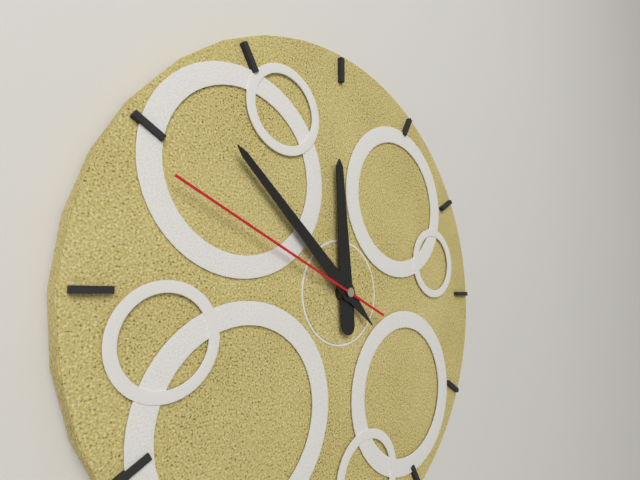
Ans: 11:52:49
